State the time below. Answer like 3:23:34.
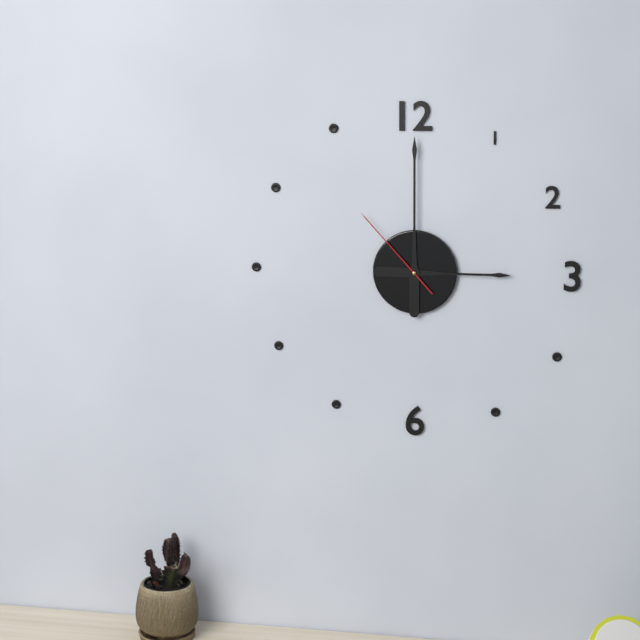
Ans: 3:00:53
